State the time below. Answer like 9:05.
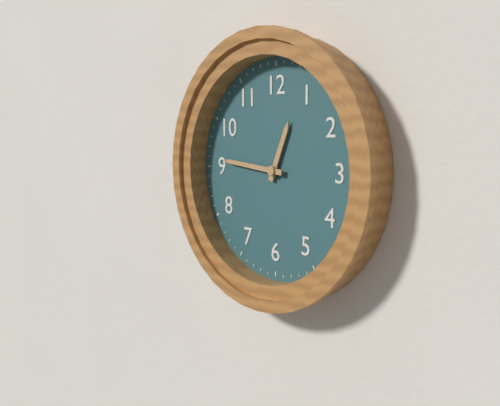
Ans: 12:46
